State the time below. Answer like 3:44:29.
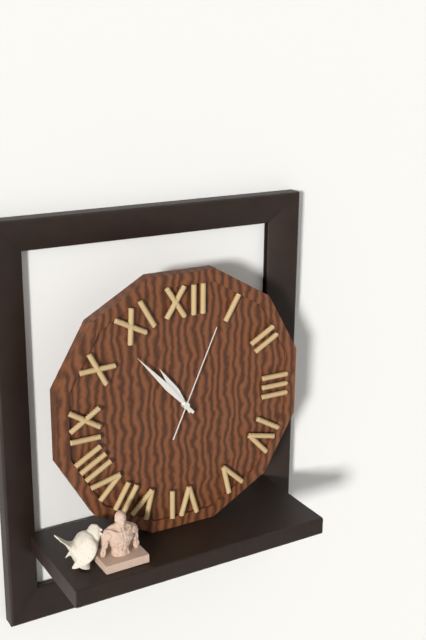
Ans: 10:53:04
